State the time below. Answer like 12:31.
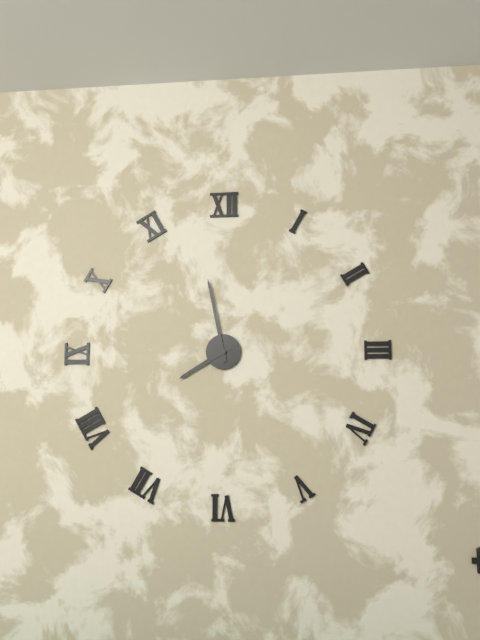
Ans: 7:58
